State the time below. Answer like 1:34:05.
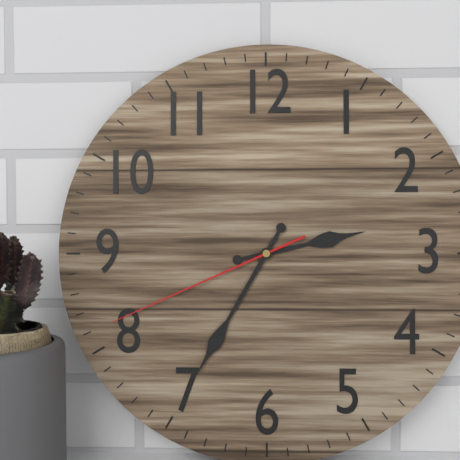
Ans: 2:35:41
